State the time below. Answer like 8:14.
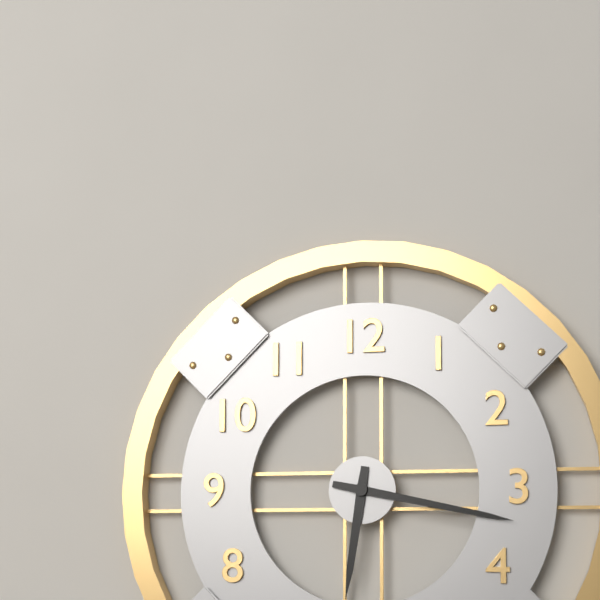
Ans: 6:17
